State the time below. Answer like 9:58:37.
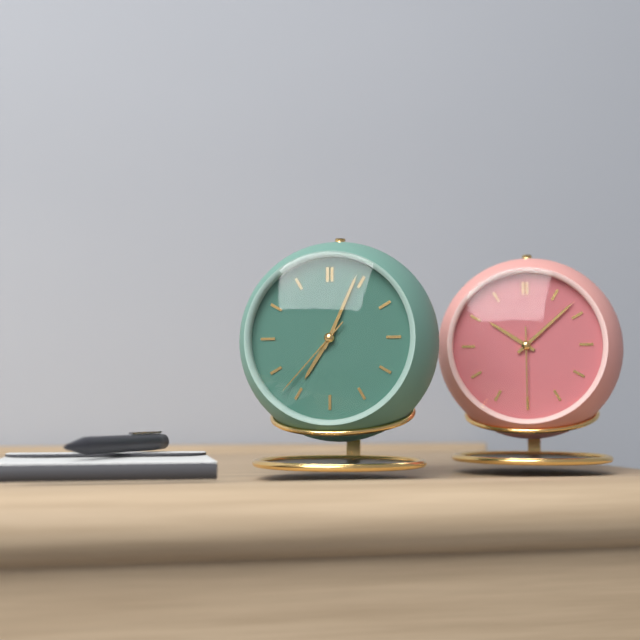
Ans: 7:04:37
